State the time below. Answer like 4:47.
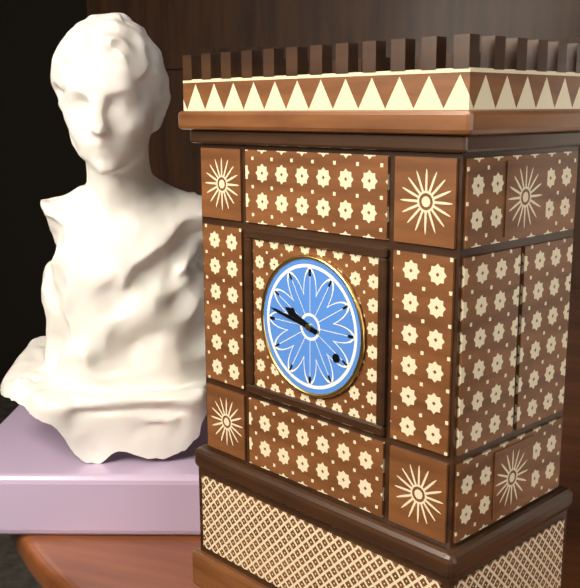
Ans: 9:47
